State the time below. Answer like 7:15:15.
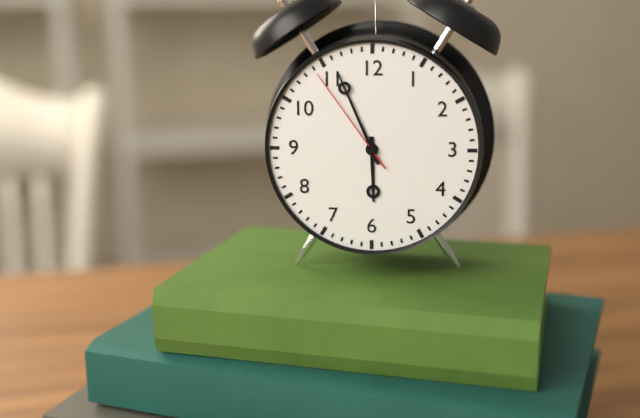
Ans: 5:56:54
